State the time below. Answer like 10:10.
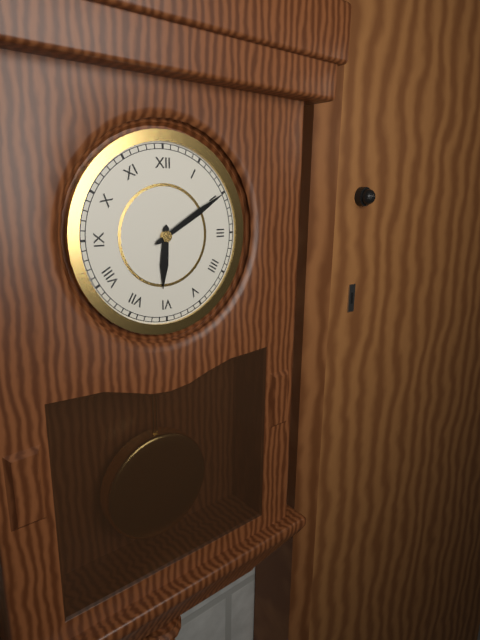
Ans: 6:10
